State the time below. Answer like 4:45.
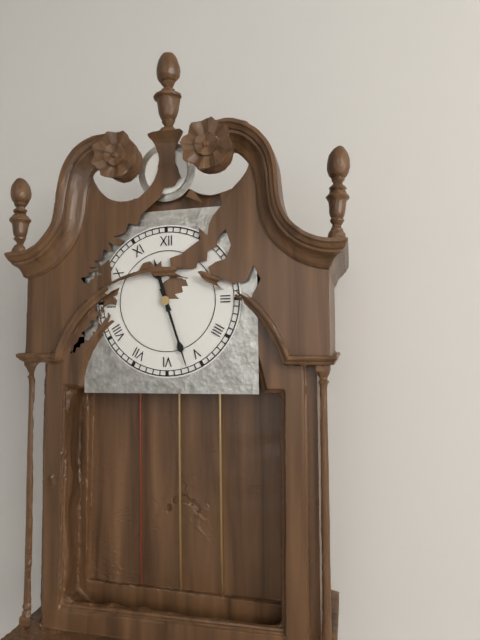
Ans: 11:27
